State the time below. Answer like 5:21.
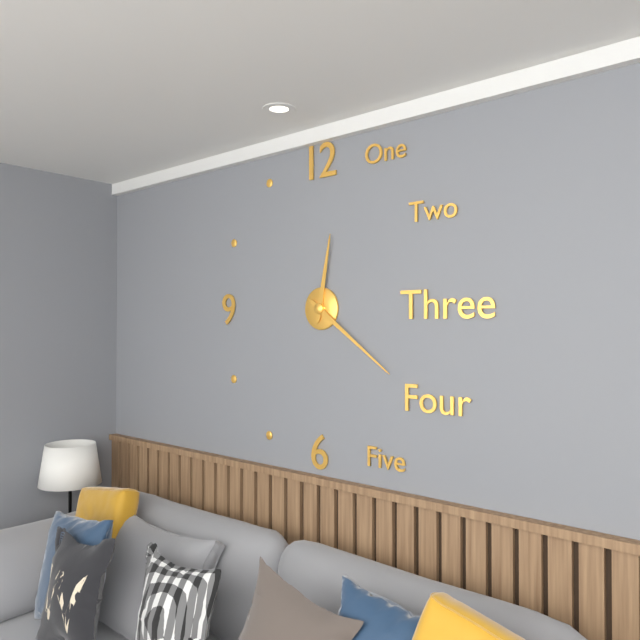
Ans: 12:21
